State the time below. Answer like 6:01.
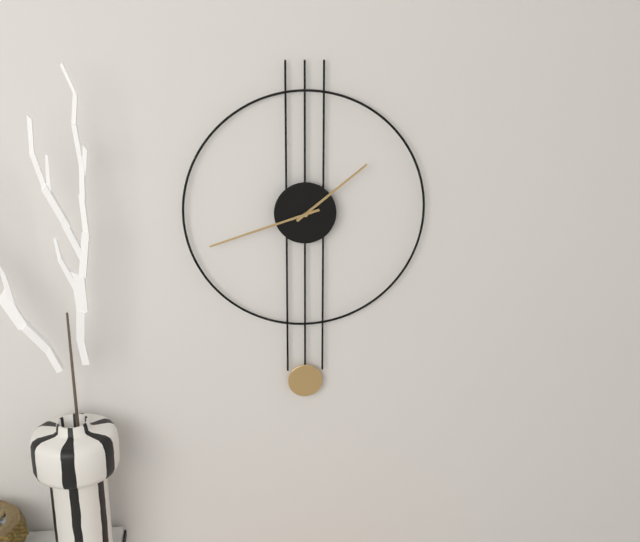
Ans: 1:42
